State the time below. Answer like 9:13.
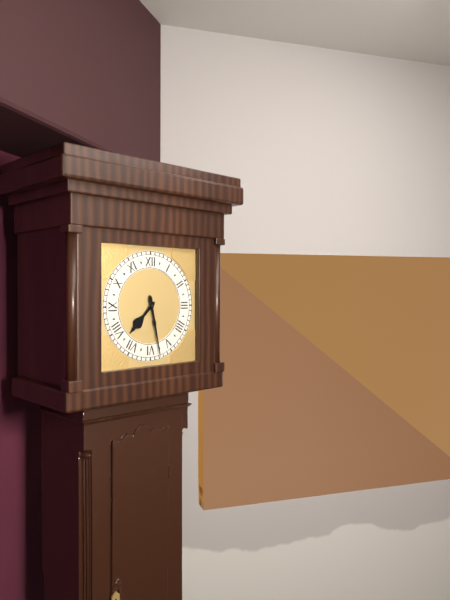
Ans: 7:28
